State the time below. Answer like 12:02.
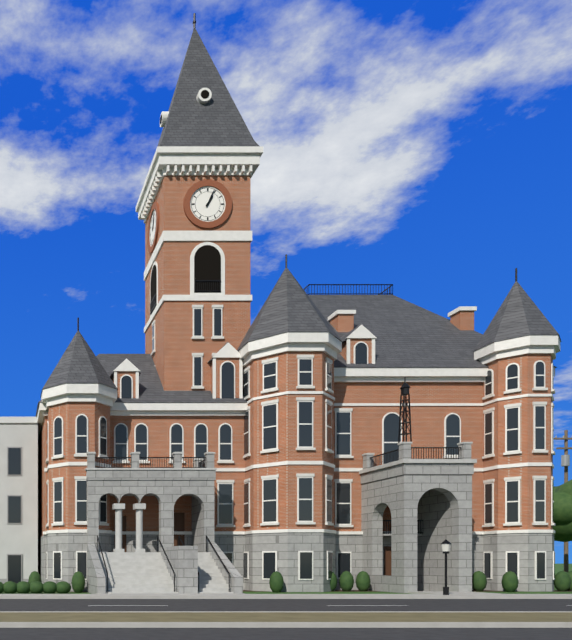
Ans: 1:04
